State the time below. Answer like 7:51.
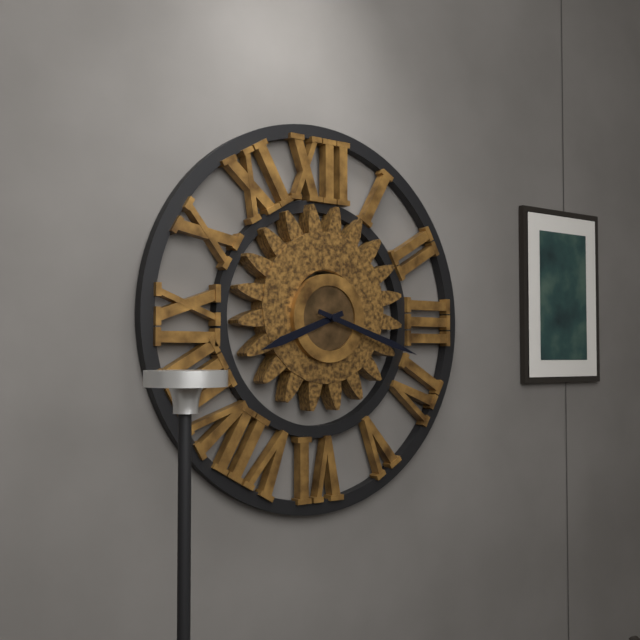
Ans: 8:18
